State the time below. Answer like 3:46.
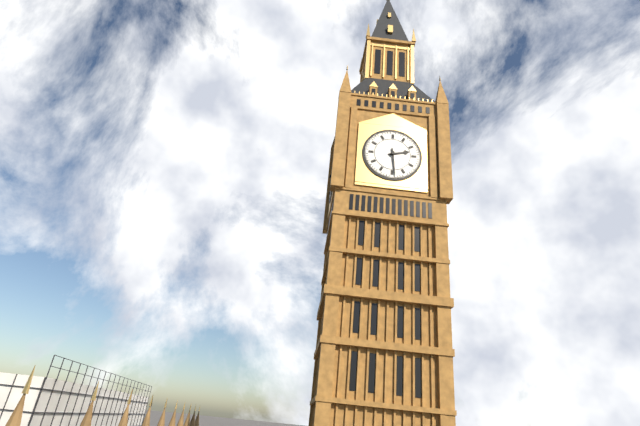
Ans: 2:29
